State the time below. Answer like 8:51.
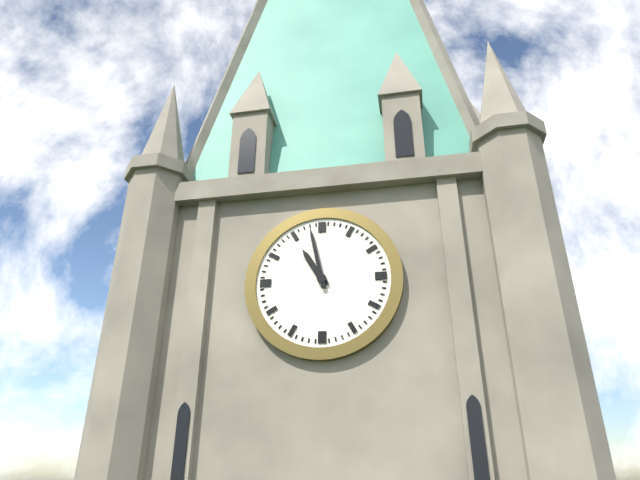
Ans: 10:58
